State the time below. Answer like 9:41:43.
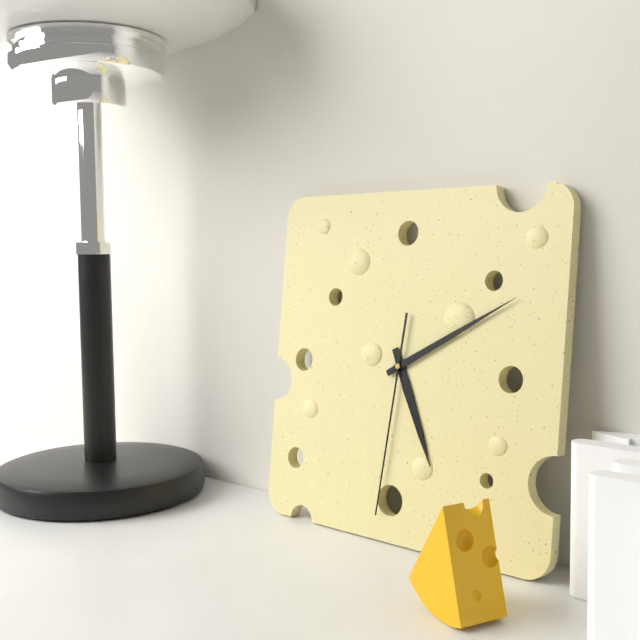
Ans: 5:10:31
